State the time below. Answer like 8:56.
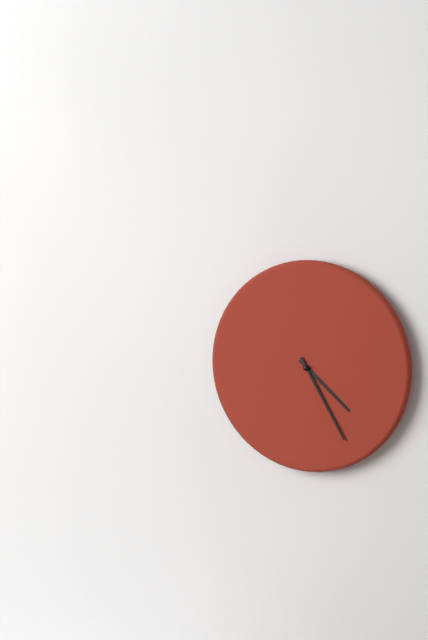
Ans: 4:25
